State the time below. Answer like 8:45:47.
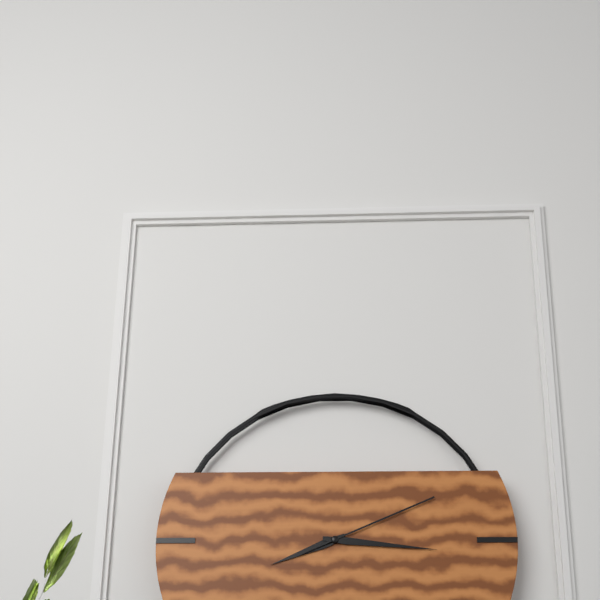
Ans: 8:16:11
